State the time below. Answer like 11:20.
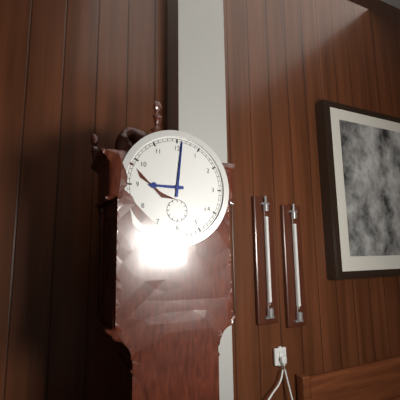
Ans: 9:01
